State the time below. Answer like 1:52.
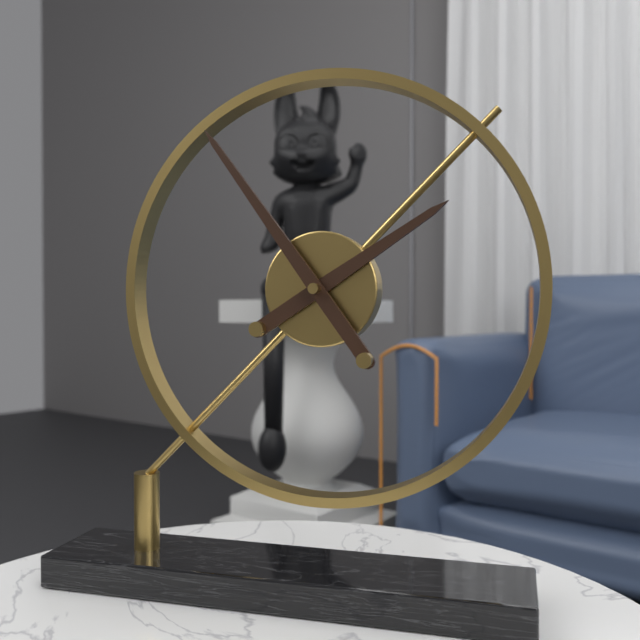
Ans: 1:54
